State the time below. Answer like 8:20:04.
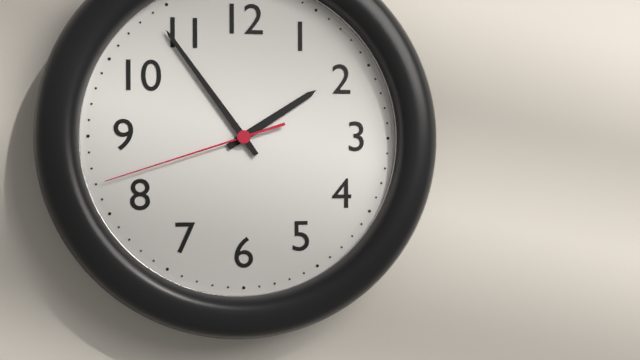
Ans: 1:54:42
